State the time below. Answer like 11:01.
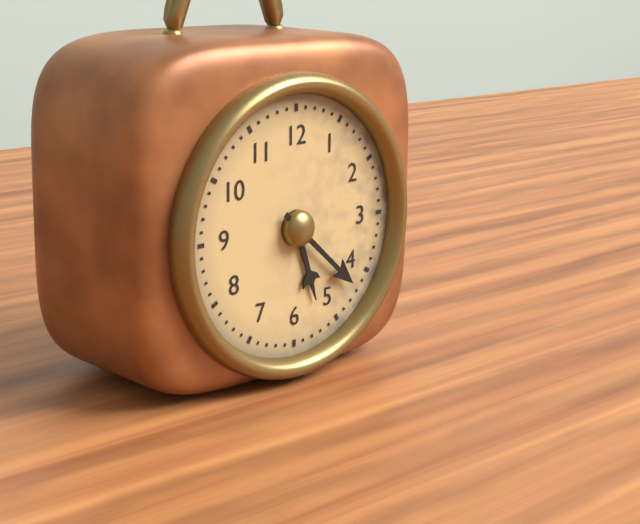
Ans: 5:22
